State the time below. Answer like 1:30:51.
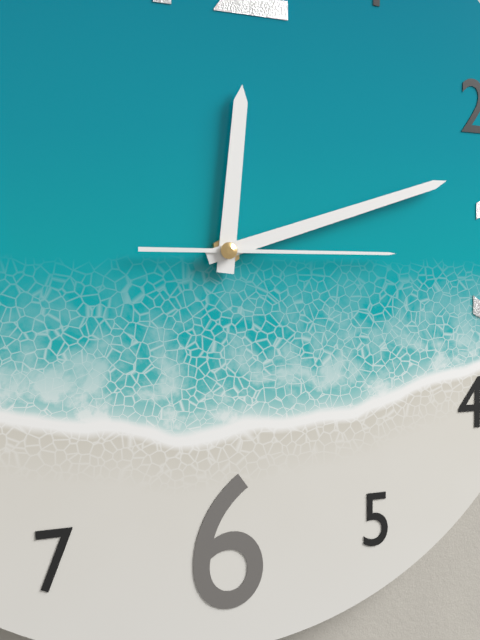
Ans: 12:12:15
